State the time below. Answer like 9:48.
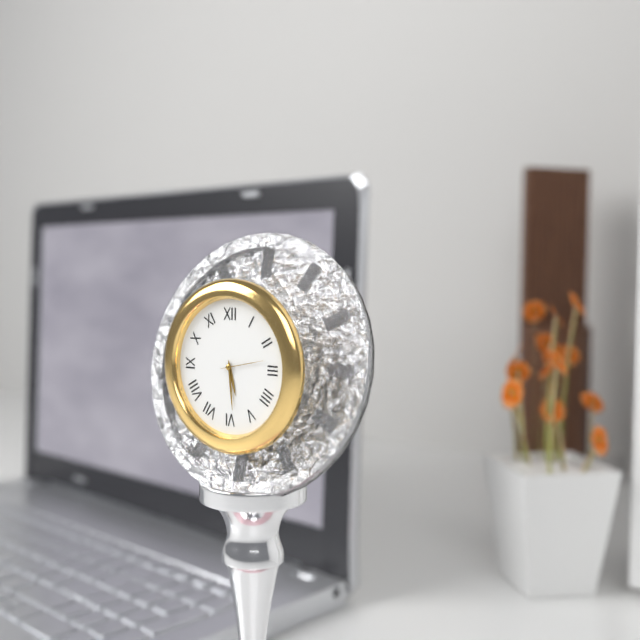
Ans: 5:29
